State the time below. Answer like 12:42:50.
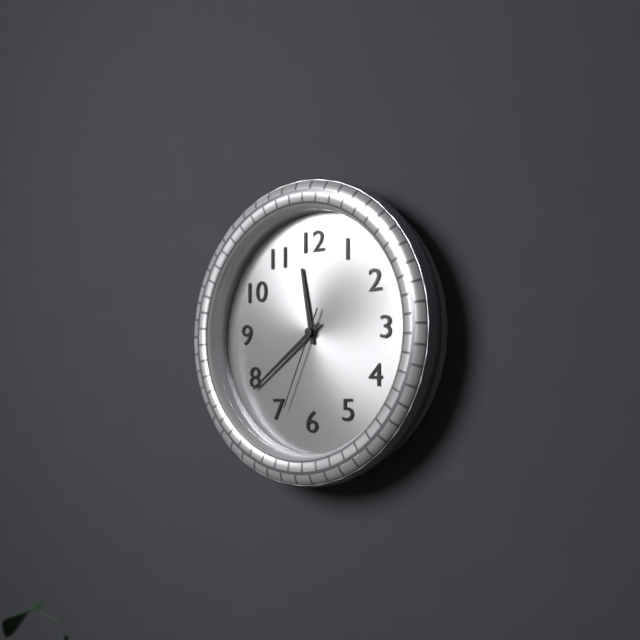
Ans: 11:39:34
